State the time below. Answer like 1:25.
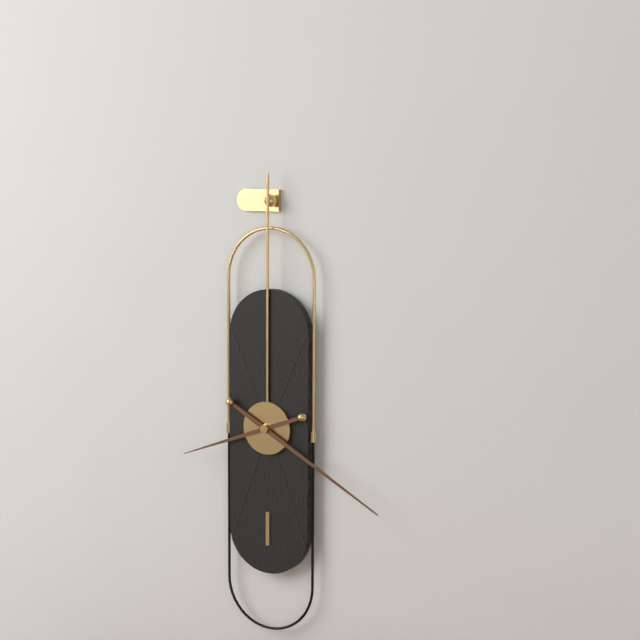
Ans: 8:20
